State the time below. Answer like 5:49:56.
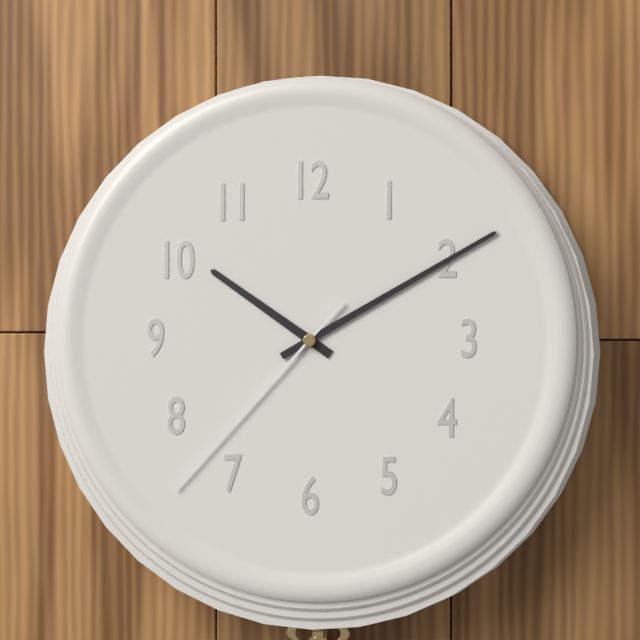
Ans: 10:10:37
